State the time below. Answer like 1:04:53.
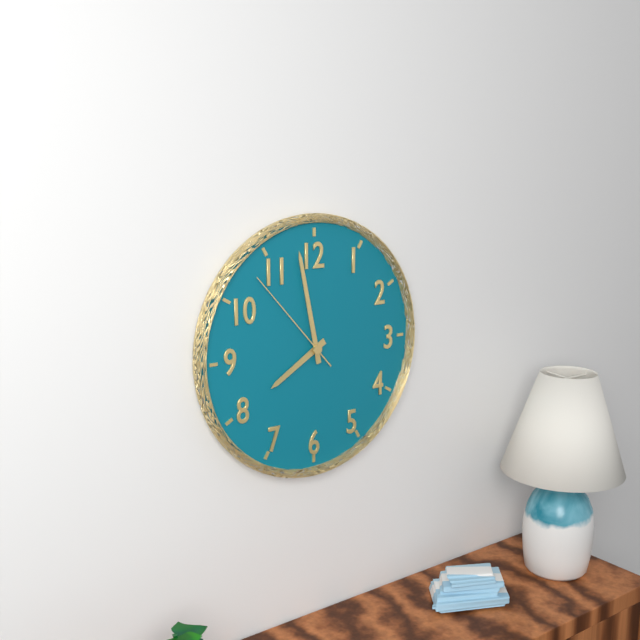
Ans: 7:58:53
